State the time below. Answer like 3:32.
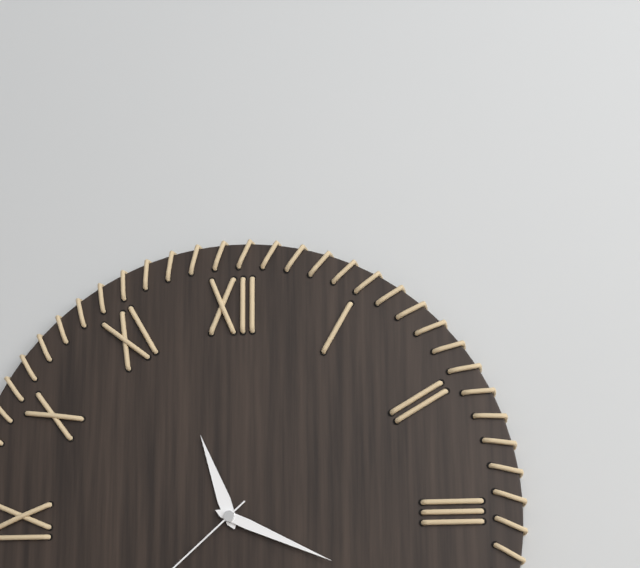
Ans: 11:19
